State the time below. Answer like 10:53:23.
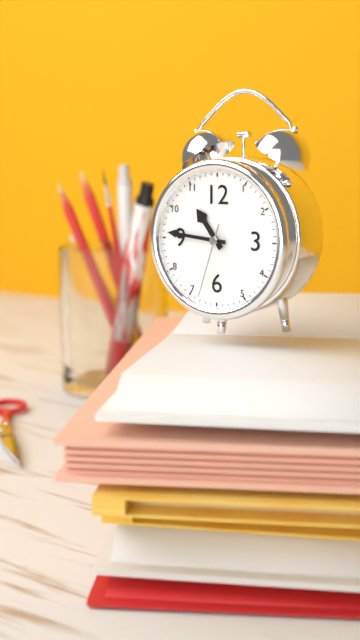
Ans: 10:46:33
